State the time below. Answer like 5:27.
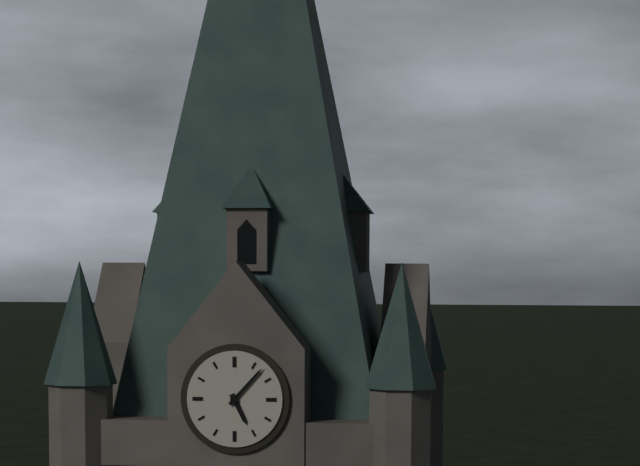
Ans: 5:07
